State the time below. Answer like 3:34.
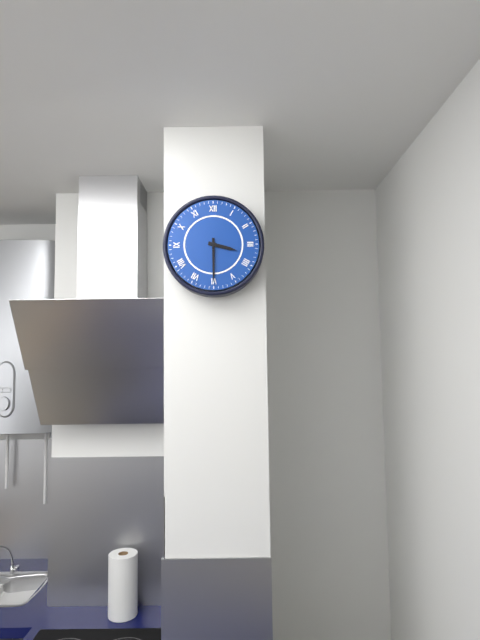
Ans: 3:30
